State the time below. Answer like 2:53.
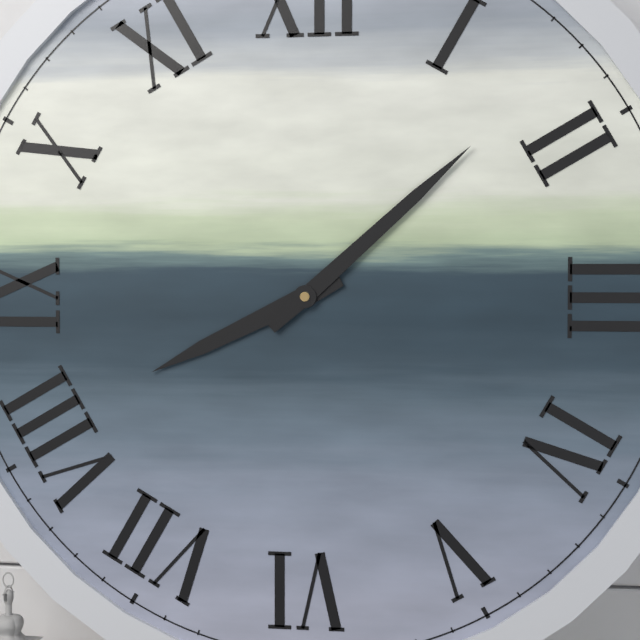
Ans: 8:08
